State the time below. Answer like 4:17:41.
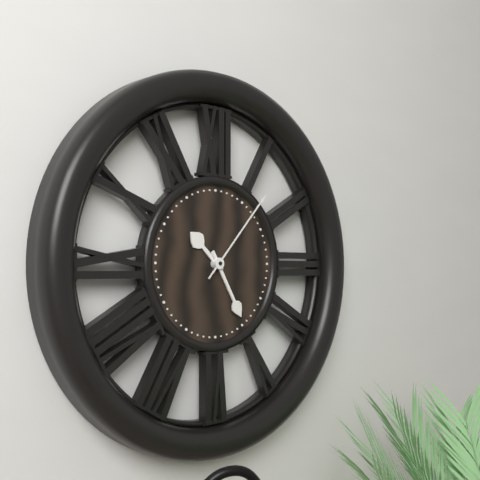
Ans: 10:25:07
